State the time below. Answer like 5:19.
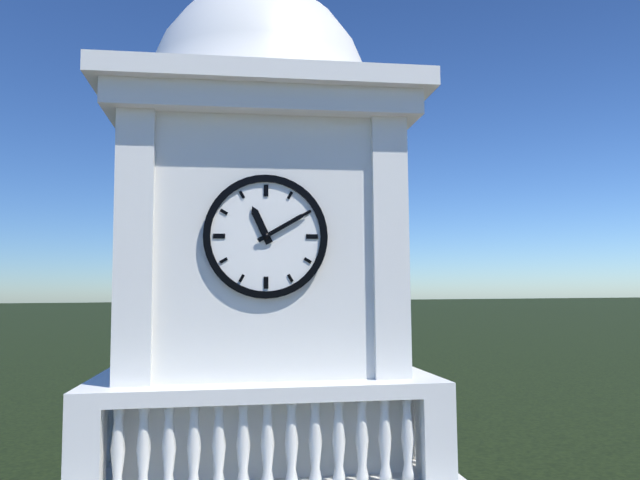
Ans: 11:10
